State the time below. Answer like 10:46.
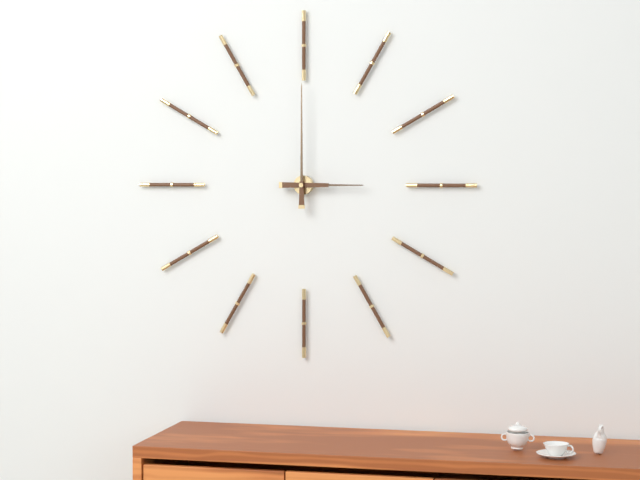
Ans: 3:00
